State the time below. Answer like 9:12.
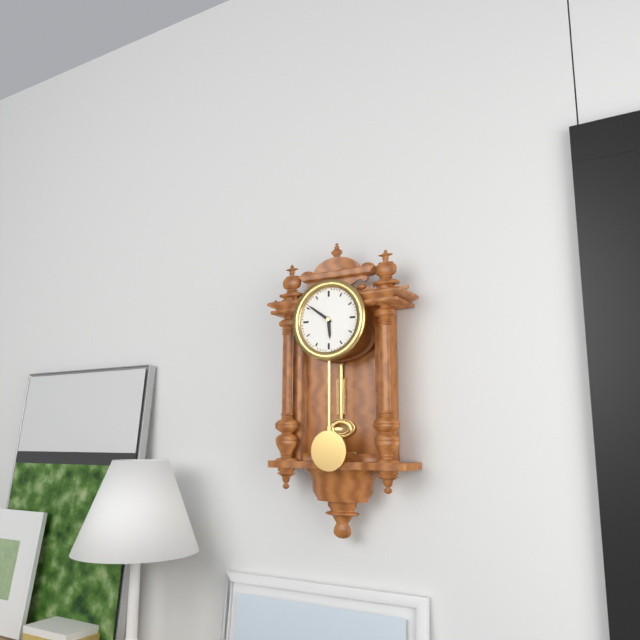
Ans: 5:51
